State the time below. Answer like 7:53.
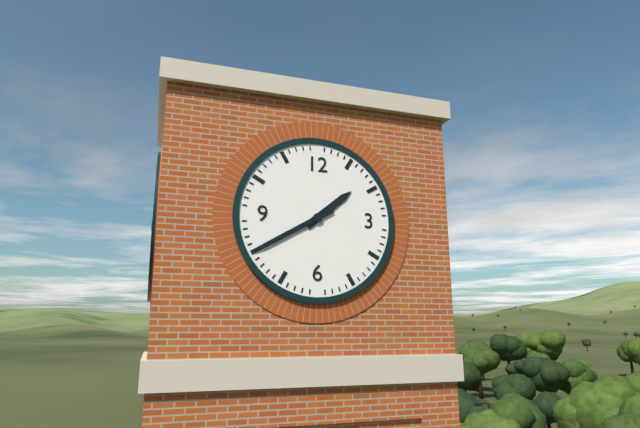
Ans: 1:40
